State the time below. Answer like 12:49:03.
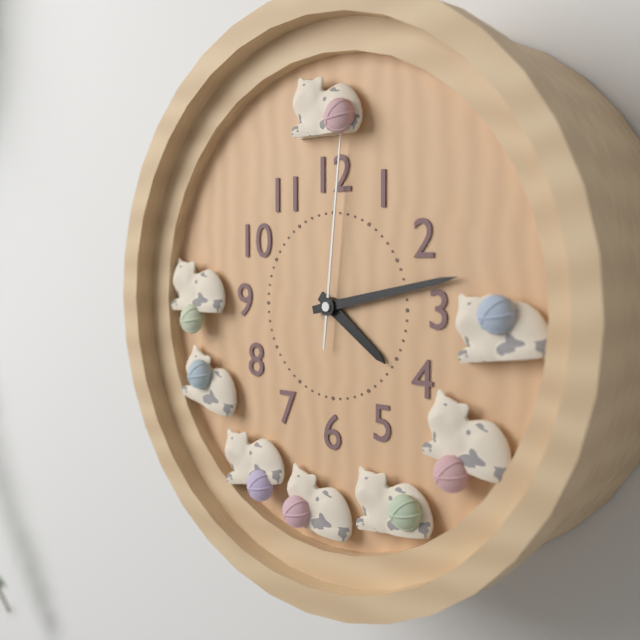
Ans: 4:13:01
